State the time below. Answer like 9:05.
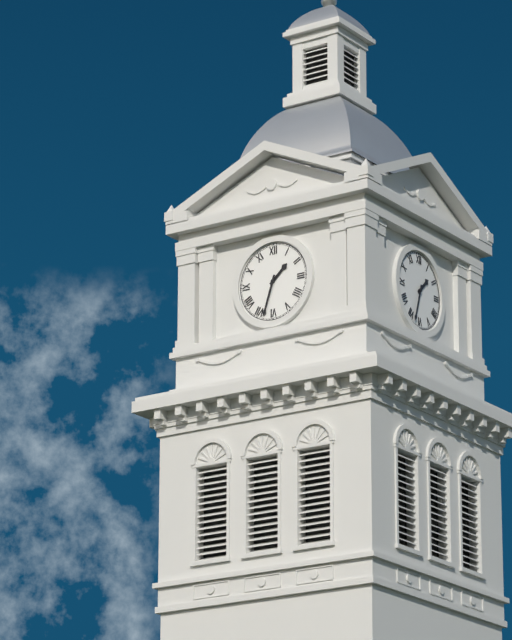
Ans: 1:33
